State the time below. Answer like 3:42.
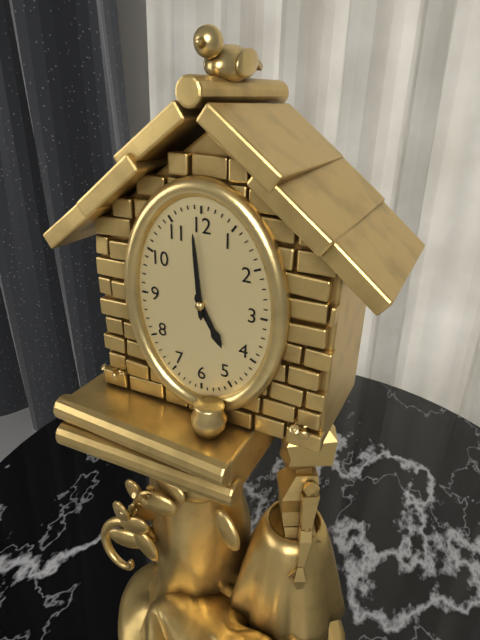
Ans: 4:59
